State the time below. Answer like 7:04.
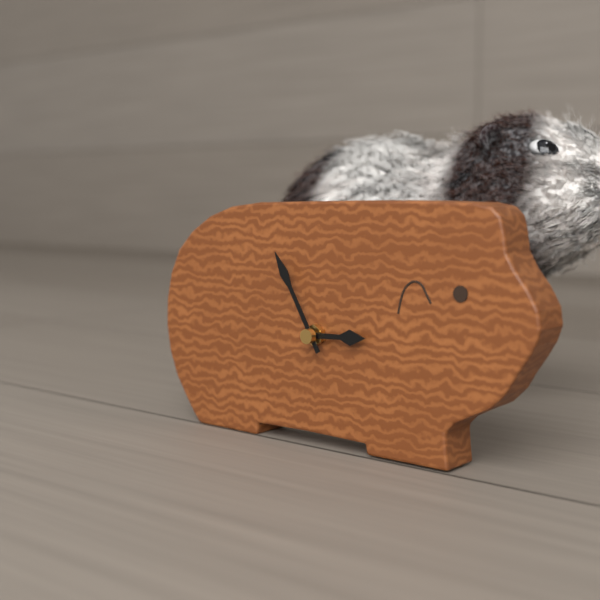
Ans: 2:55
